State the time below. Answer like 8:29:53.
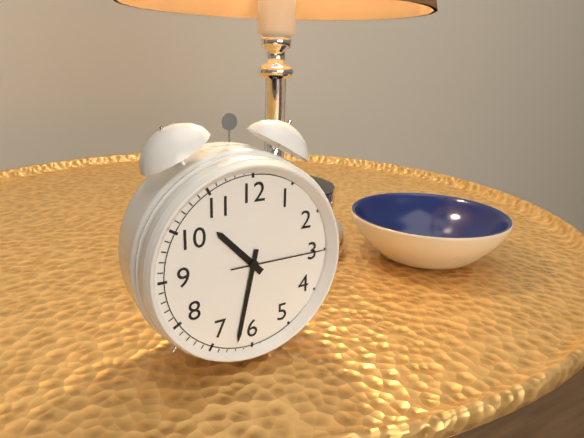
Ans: 10:32:15
